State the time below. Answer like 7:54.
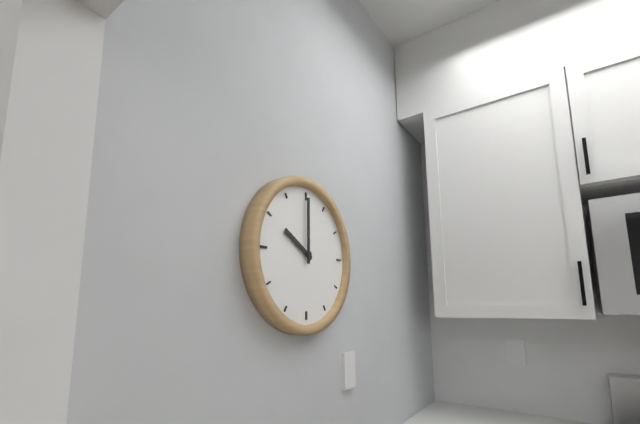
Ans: 10:00
